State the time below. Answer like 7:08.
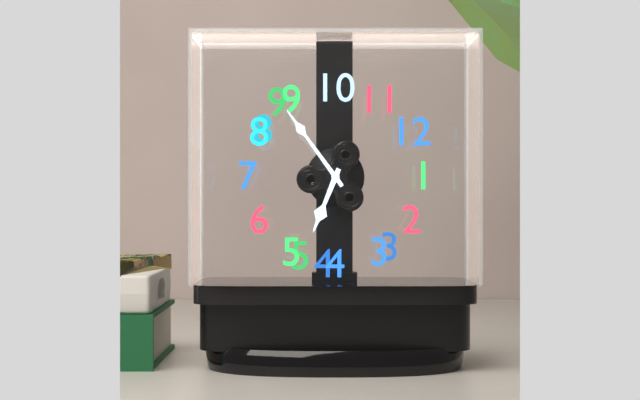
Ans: 4:44
